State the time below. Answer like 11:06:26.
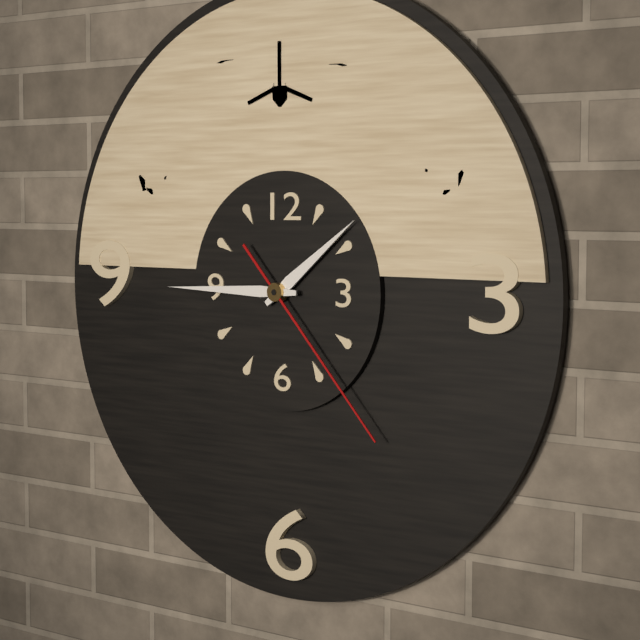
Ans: 1:45:23
